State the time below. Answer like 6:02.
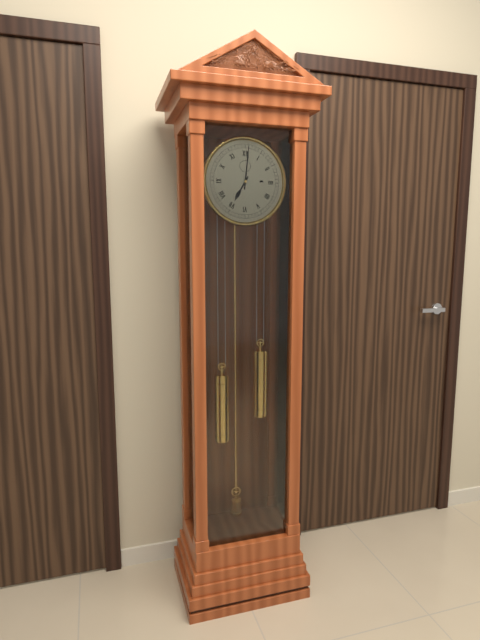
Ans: 7:01
